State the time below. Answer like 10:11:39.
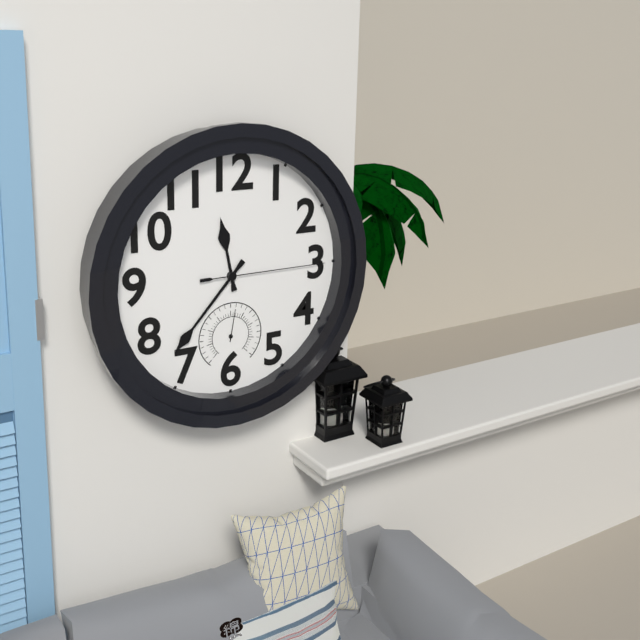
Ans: 11:37:15
